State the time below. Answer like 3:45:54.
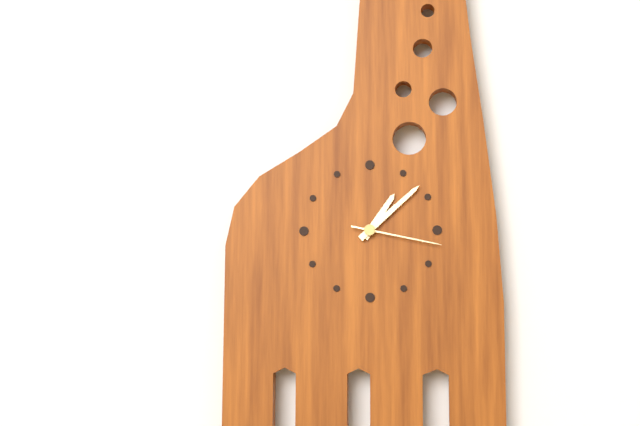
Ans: 1:08:17
